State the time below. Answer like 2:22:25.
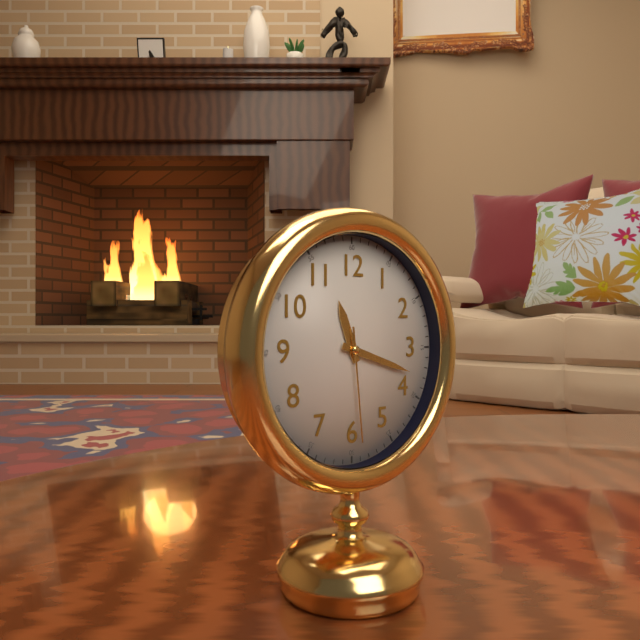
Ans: 11:18:29
